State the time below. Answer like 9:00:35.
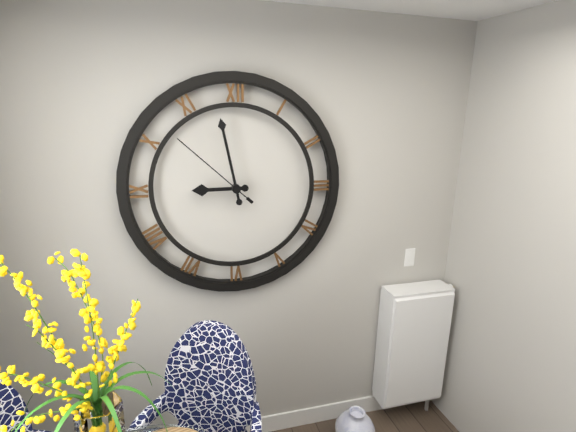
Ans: 8:58:52
